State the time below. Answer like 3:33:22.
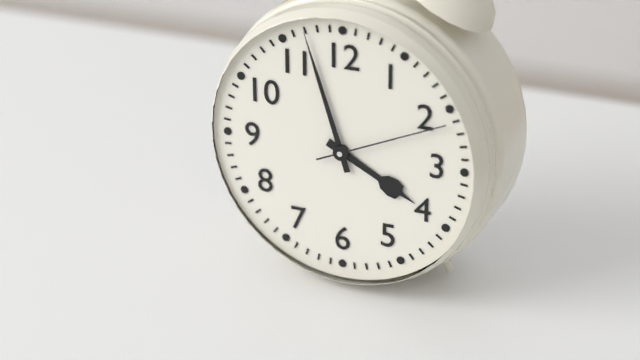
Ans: 3:57:11
